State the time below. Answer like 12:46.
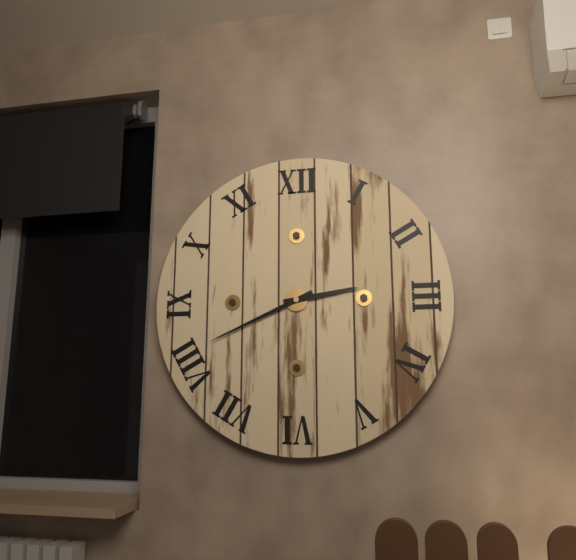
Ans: 2:41
